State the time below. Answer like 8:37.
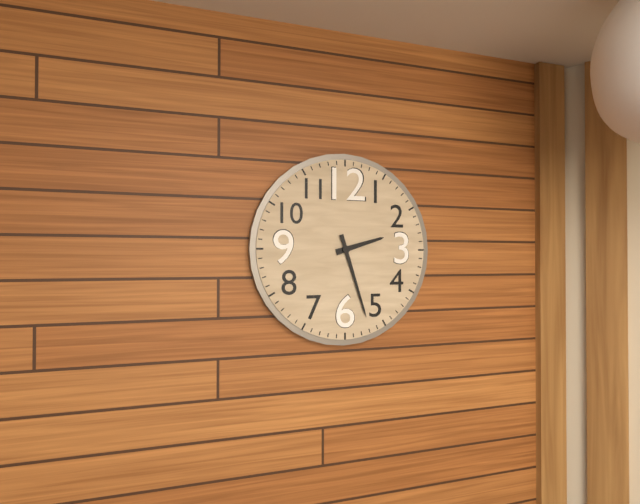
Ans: 2:27
